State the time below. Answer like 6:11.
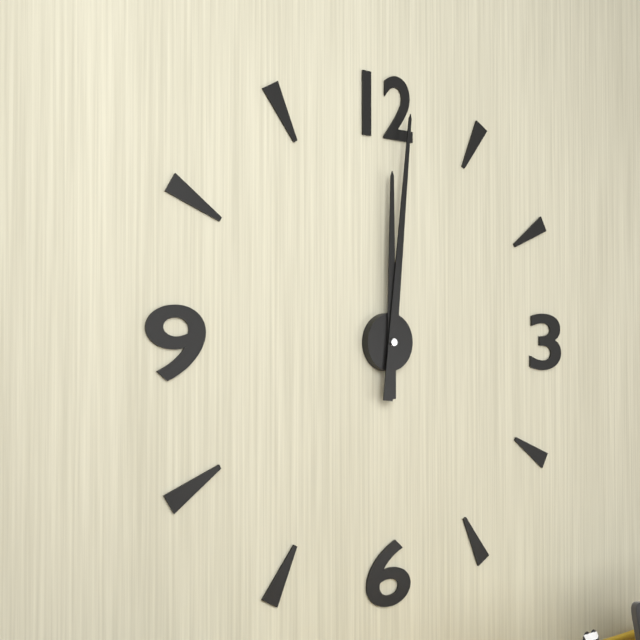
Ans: 12:01
